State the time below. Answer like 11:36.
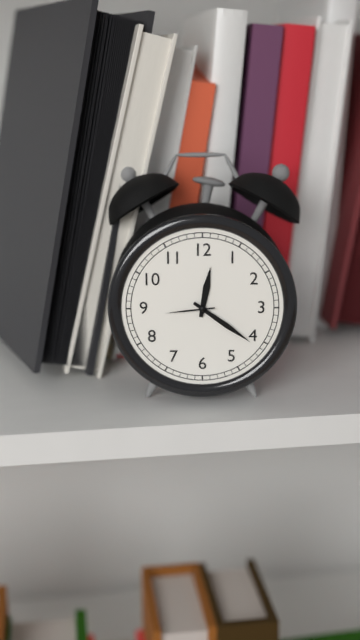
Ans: 12:21
